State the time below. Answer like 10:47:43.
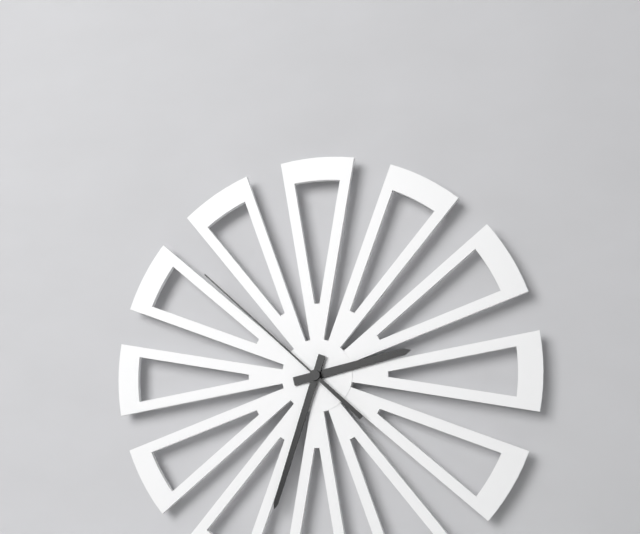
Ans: 2:33:52
